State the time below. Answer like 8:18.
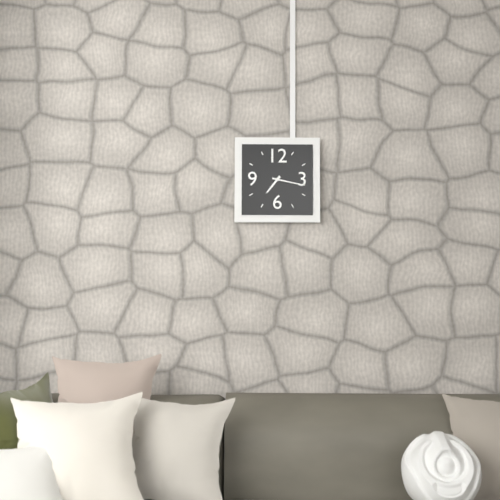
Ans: 7:17
